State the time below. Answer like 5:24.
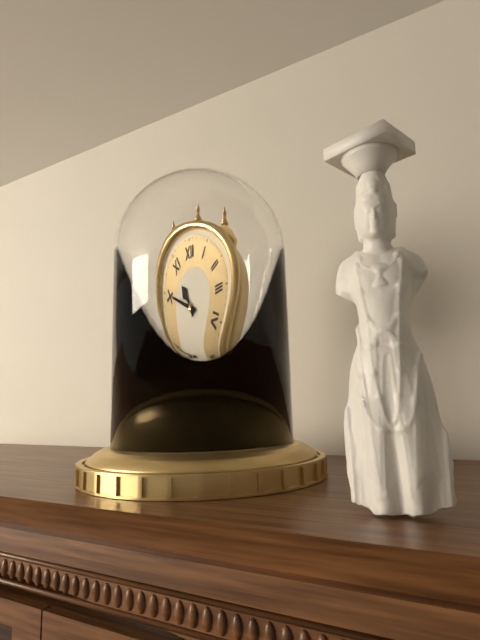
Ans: 10:50
